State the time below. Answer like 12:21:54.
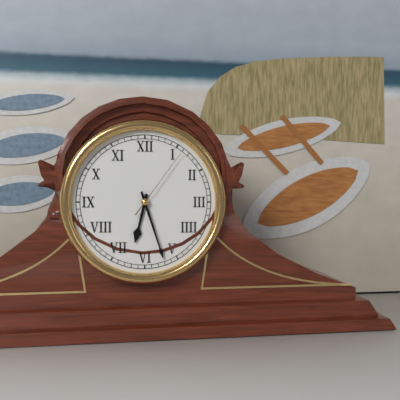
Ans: 6:27:06
